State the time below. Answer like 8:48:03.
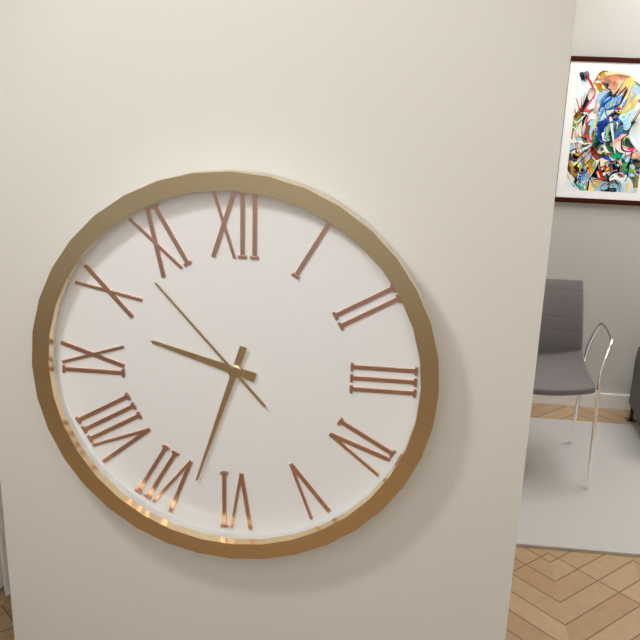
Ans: 9:33:53
